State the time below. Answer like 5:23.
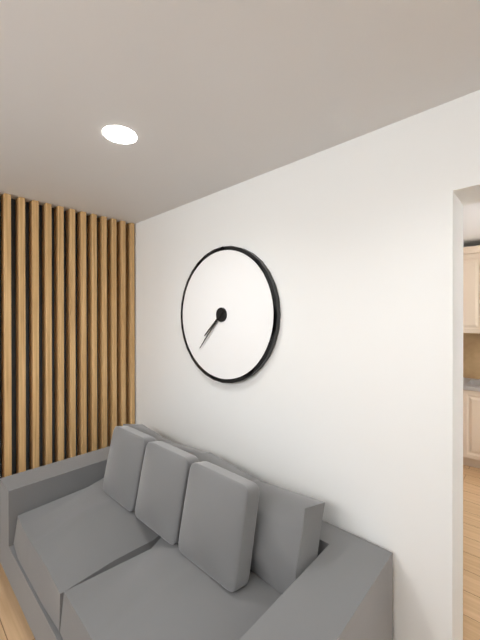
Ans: 7:37
